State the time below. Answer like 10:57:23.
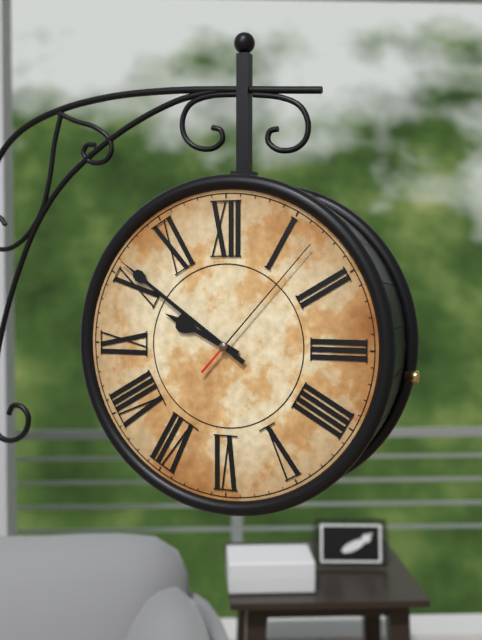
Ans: 9:51:07
